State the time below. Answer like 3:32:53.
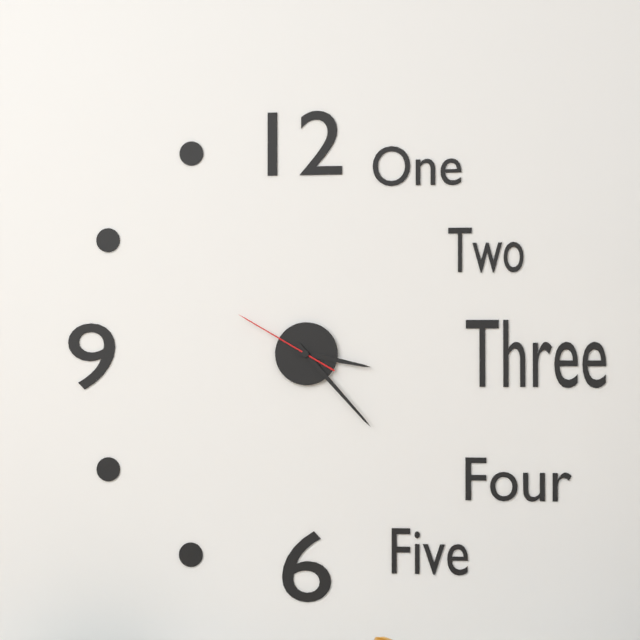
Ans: 3:23:50
